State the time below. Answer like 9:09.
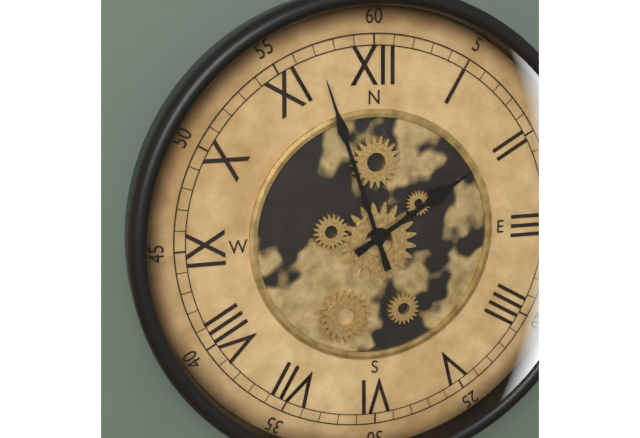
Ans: 1:57
